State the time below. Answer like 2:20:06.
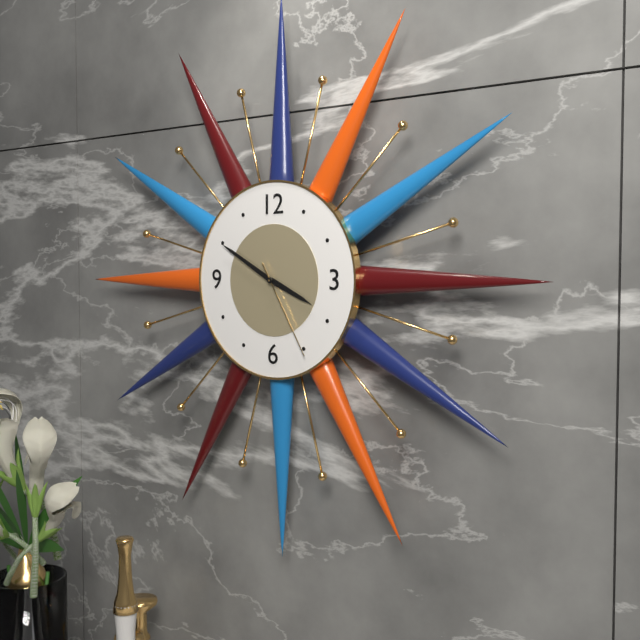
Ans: 3:50:25
